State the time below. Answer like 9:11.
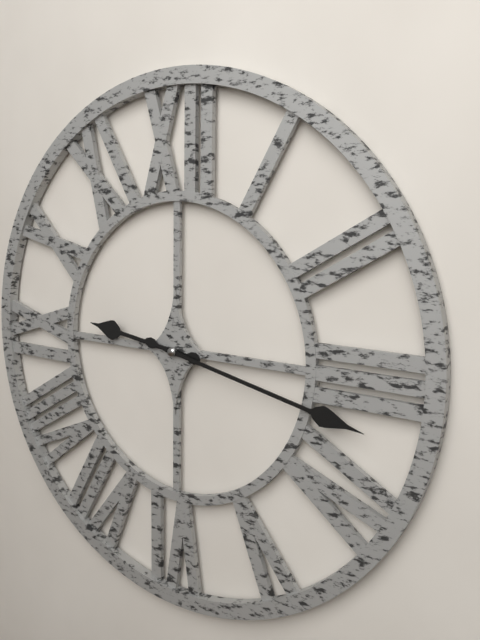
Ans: 9:17
